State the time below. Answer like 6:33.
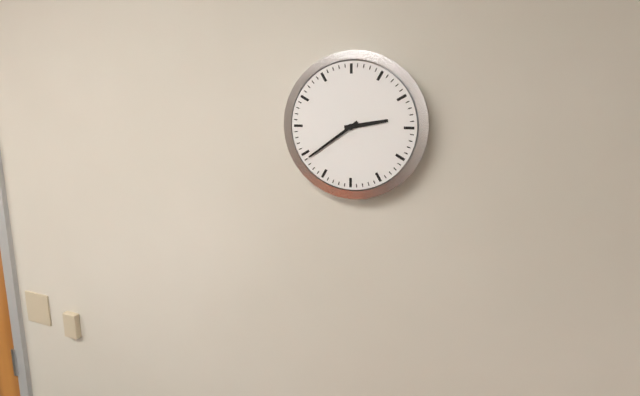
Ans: 2:39
